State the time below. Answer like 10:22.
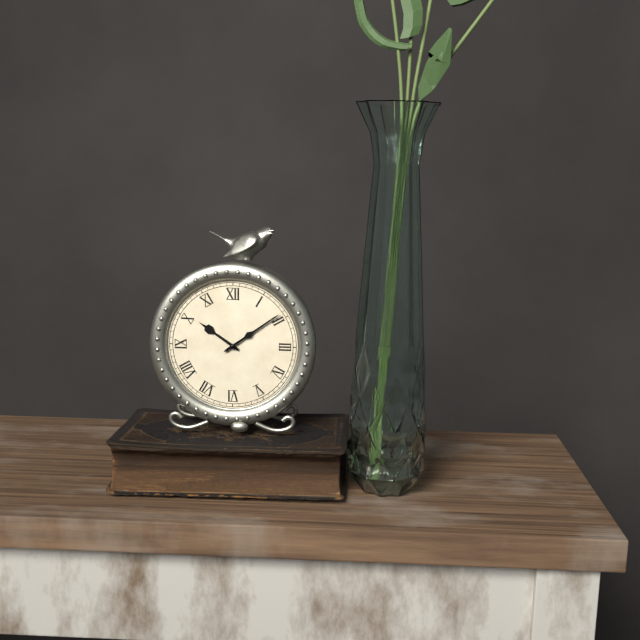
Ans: 10:09
